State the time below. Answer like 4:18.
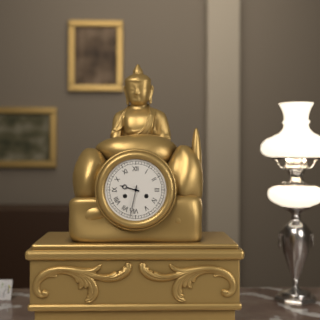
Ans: 9:32
